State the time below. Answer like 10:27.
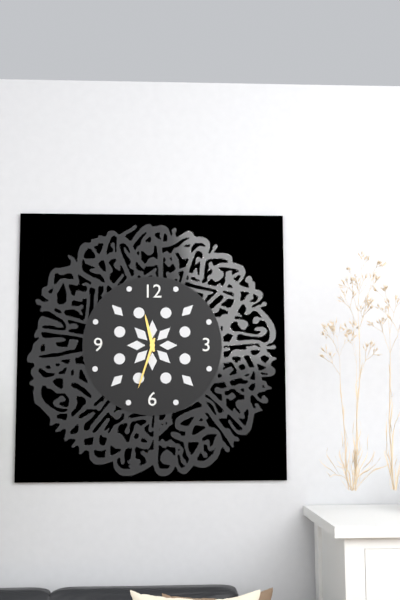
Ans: 11:33
